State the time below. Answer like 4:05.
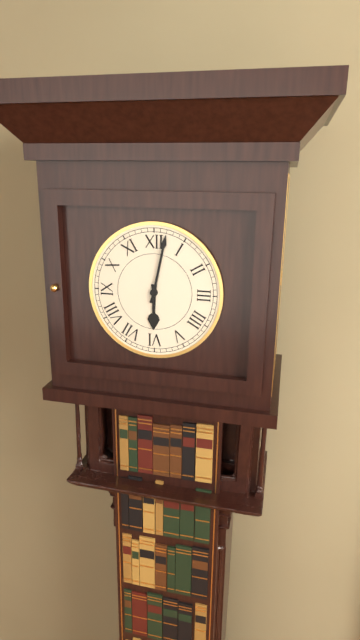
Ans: 6:02
